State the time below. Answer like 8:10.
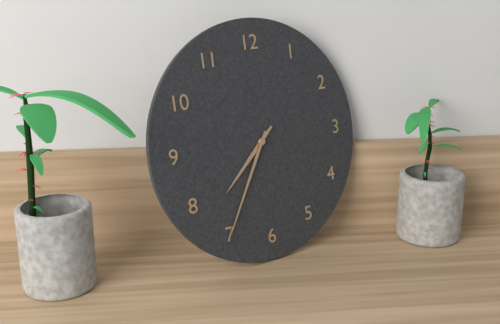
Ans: 7:35
